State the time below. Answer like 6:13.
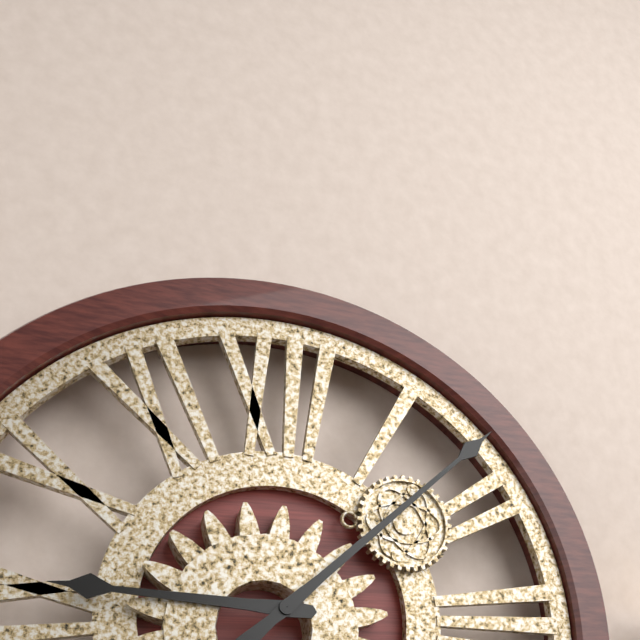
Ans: 9:08
